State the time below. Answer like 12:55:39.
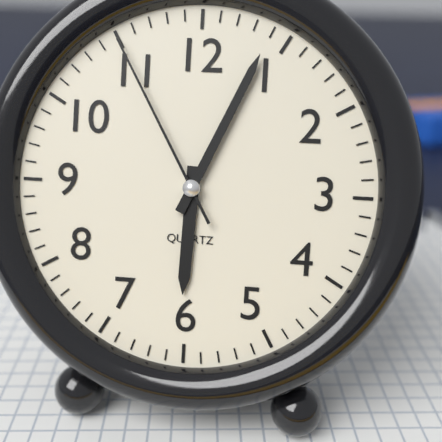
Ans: 6:04:55
